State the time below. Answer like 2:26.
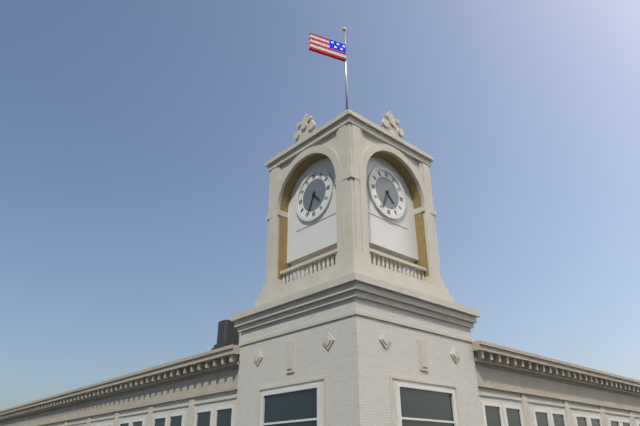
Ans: 4:34
